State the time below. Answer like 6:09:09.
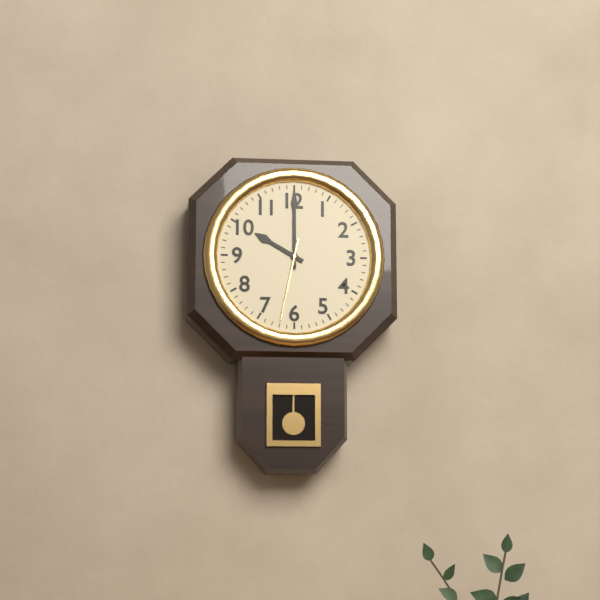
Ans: 10:00:32
